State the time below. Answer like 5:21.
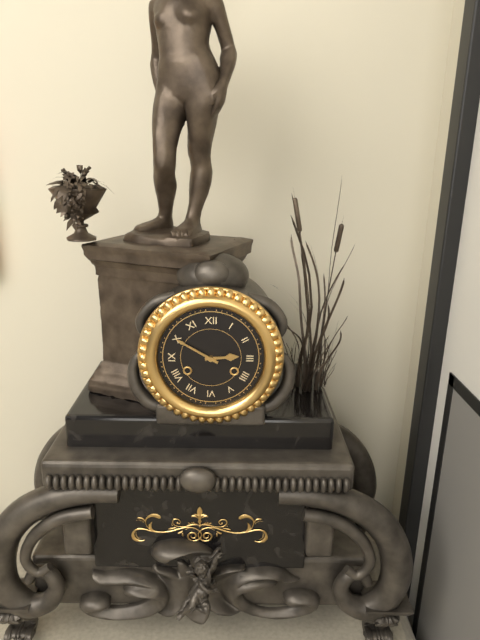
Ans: 2:50
